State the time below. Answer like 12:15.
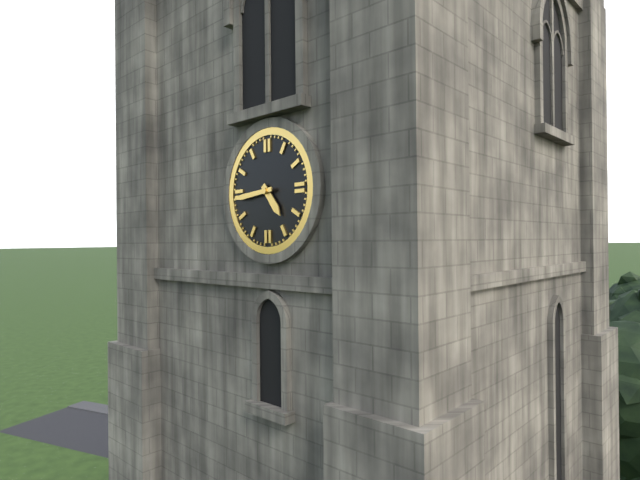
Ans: 4:44
